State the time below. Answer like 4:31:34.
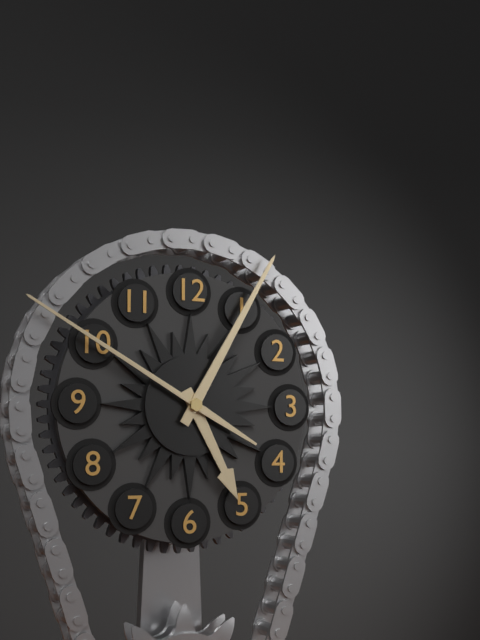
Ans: 5:05:50
